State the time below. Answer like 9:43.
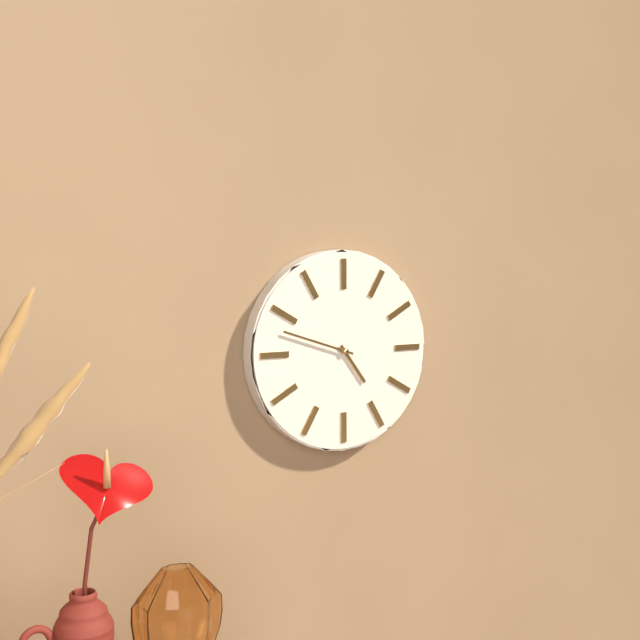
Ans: 4:48
